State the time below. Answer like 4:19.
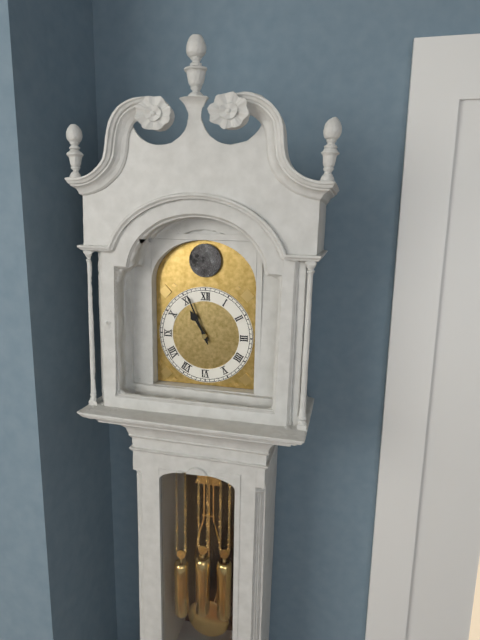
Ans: 10:56
